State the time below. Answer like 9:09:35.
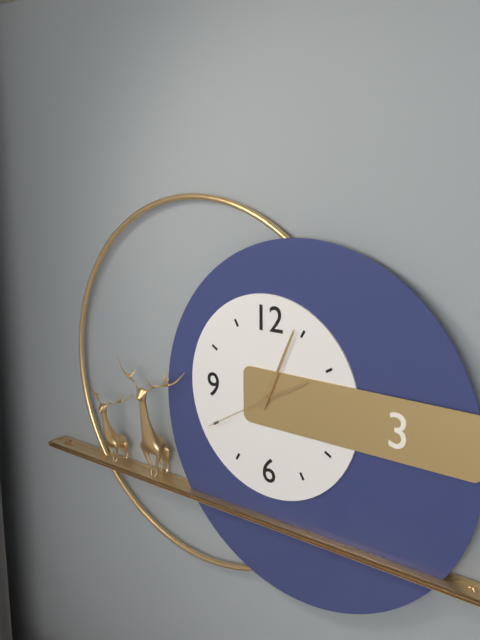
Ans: 2:04:40
